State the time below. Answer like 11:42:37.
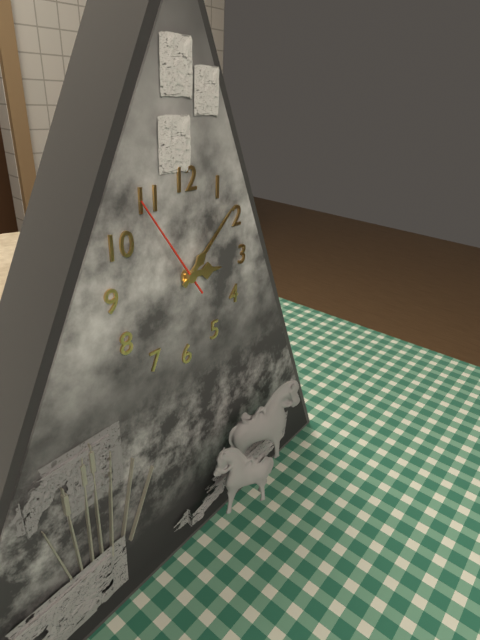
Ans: 3:08:54
